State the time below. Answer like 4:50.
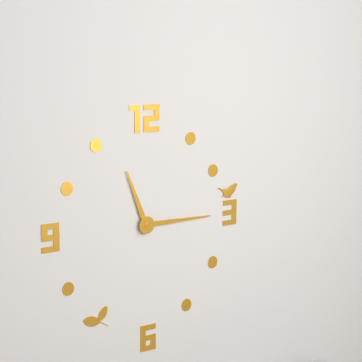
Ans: 11:15
